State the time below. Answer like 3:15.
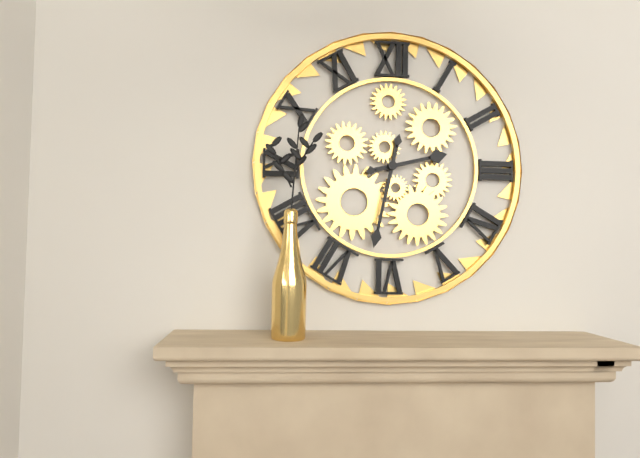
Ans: 2:32
